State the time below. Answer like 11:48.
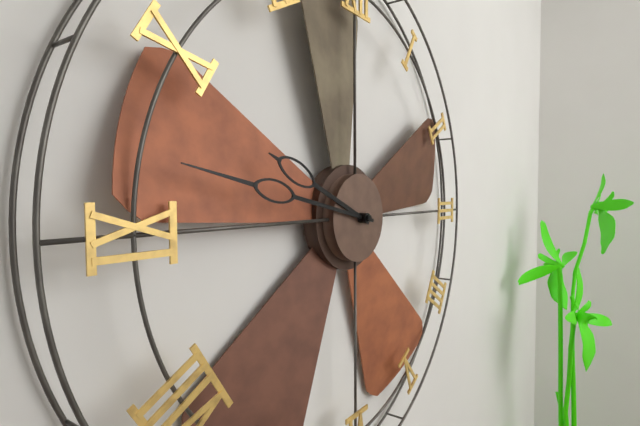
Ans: 9:47
